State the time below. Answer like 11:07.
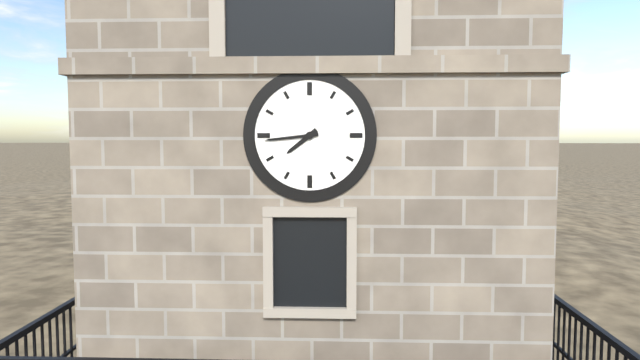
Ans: 7:44
